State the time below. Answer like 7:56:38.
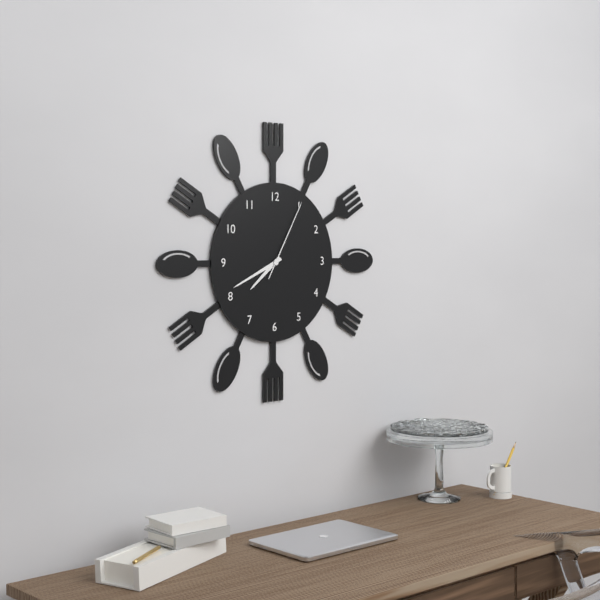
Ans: 7:41:05
